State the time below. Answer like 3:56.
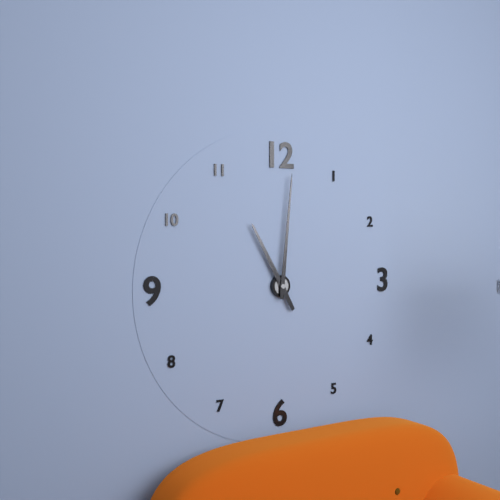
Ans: 11:01
